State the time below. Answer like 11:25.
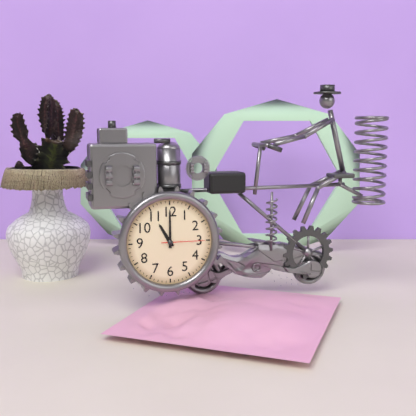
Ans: 11:00
